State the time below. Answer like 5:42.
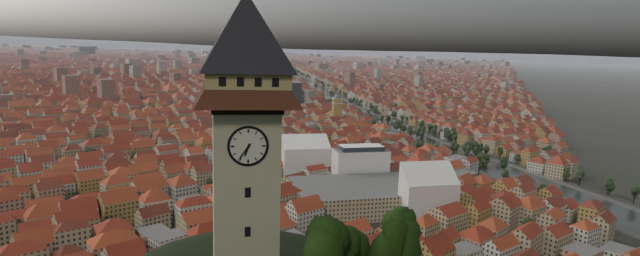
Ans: 6:36
